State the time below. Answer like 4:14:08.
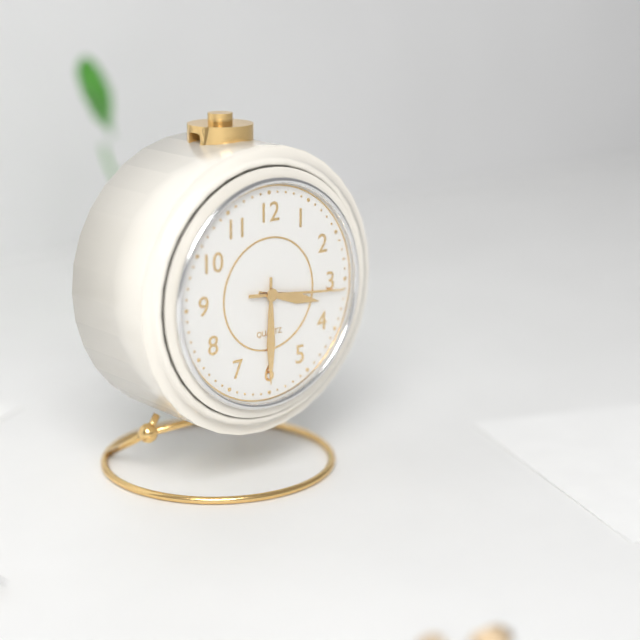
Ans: 3:30:16
